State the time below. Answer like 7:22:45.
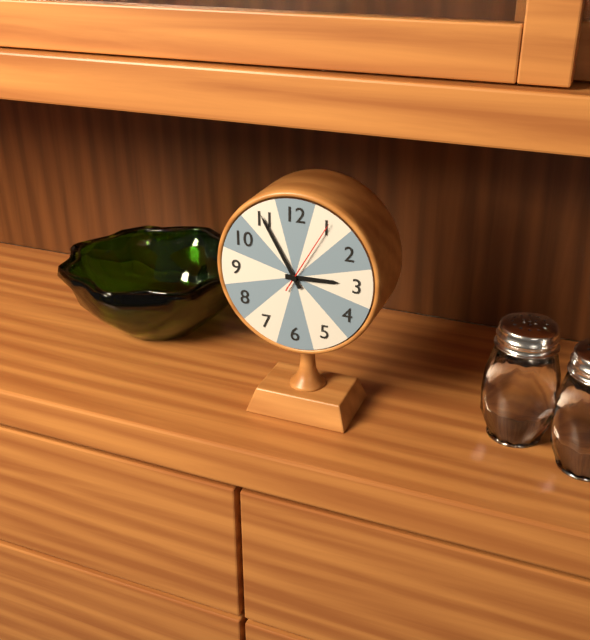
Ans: 2:55:05
